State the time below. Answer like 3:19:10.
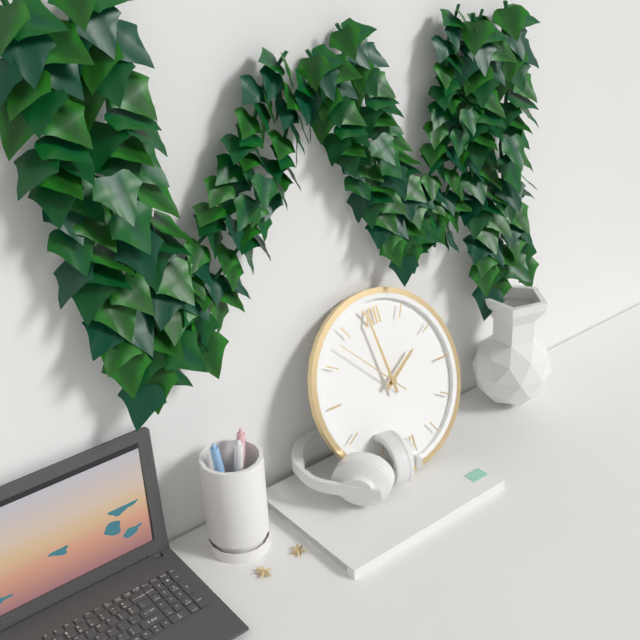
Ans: 1:59:53
